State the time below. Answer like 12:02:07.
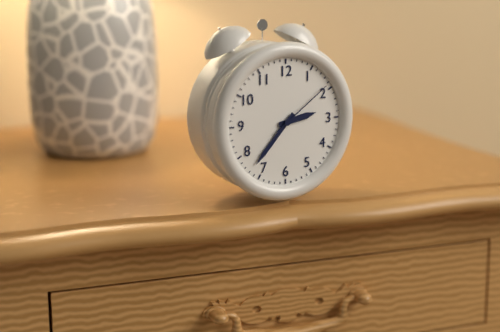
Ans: 2:37:09
